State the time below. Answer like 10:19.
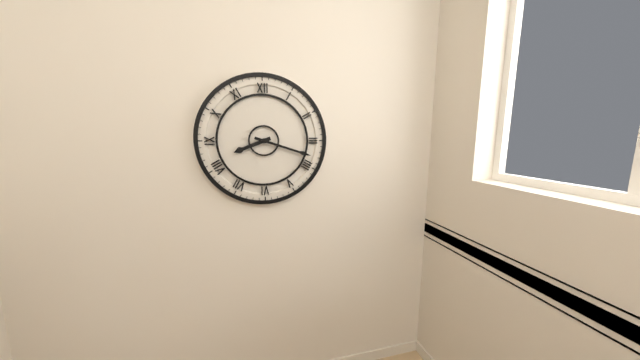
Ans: 8:18
